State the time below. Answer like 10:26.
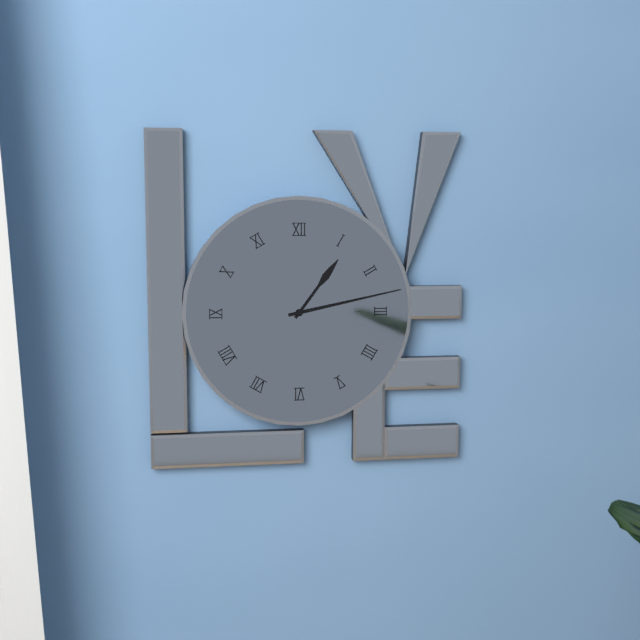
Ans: 1:13
